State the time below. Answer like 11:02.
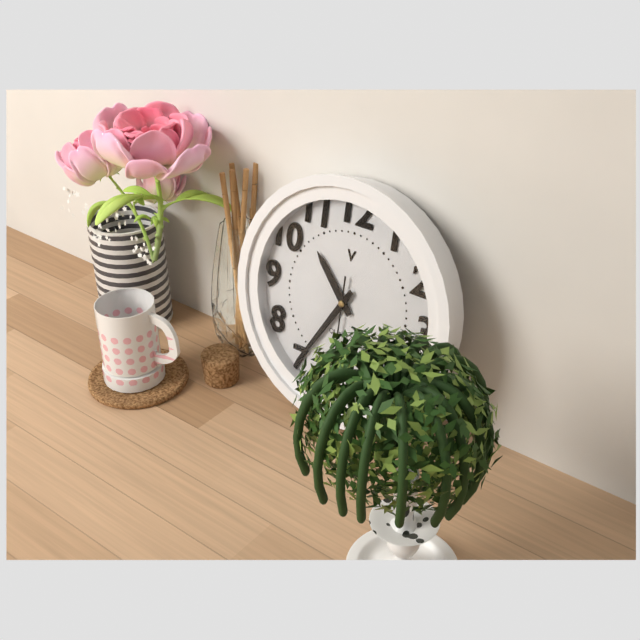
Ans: 10:35
